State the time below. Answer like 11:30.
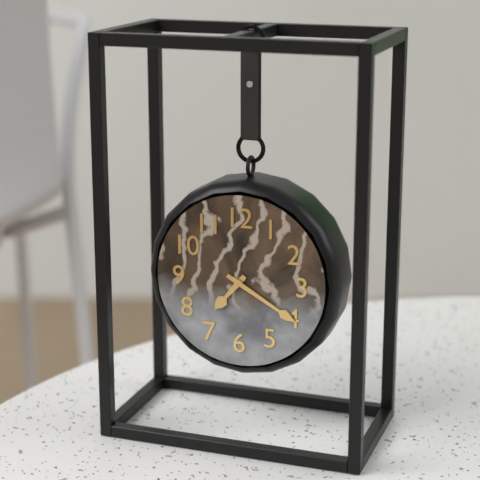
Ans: 7:20
